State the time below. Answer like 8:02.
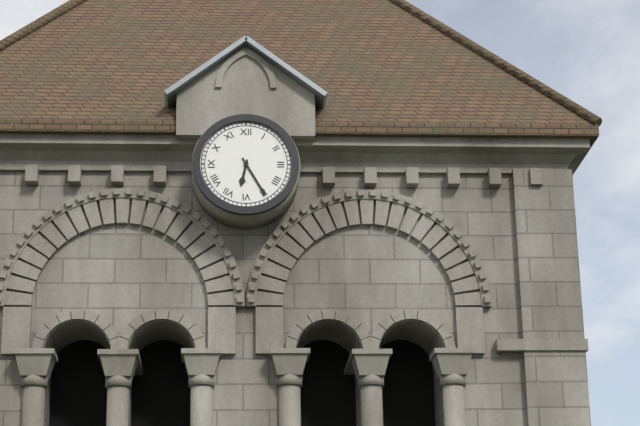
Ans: 6:25
